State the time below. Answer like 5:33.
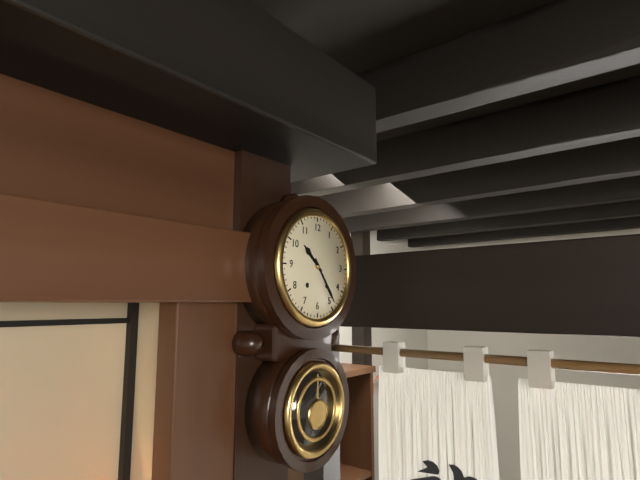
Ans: 10:24
